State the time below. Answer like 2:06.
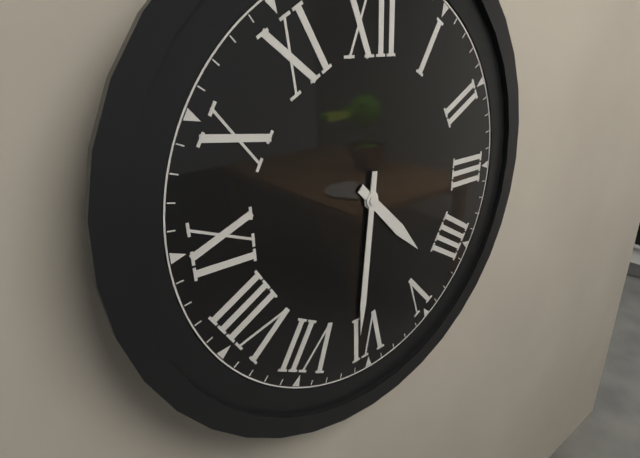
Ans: 4:31
